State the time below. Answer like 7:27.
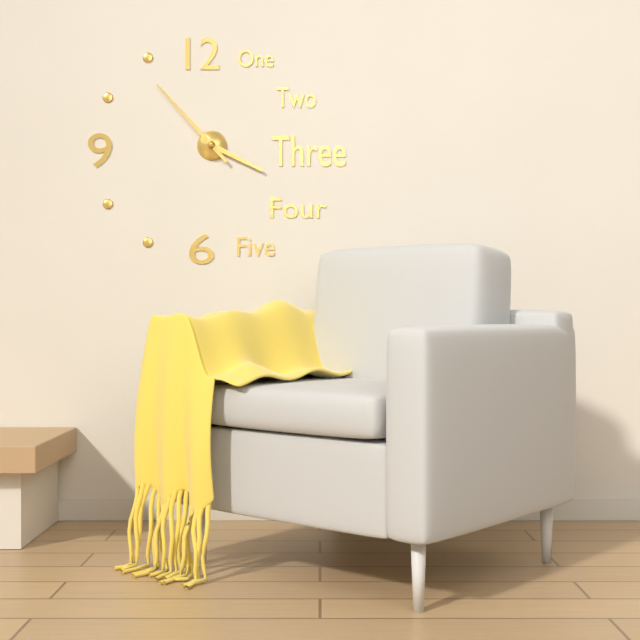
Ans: 3:53
